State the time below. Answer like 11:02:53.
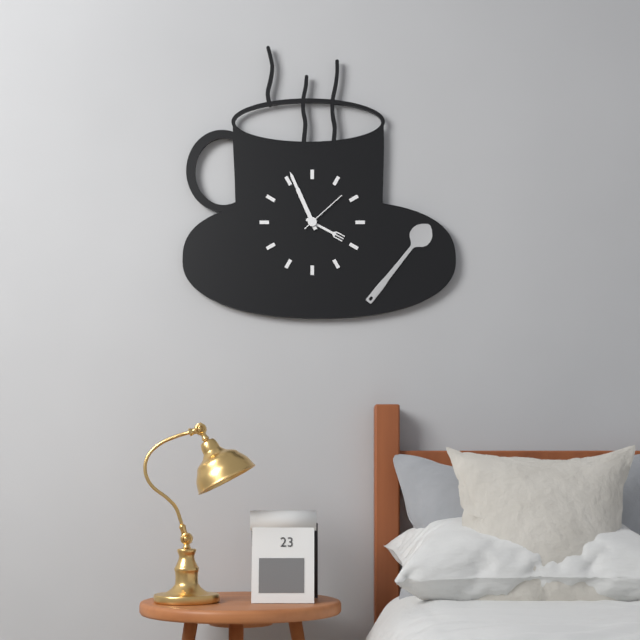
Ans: 3:56:08
